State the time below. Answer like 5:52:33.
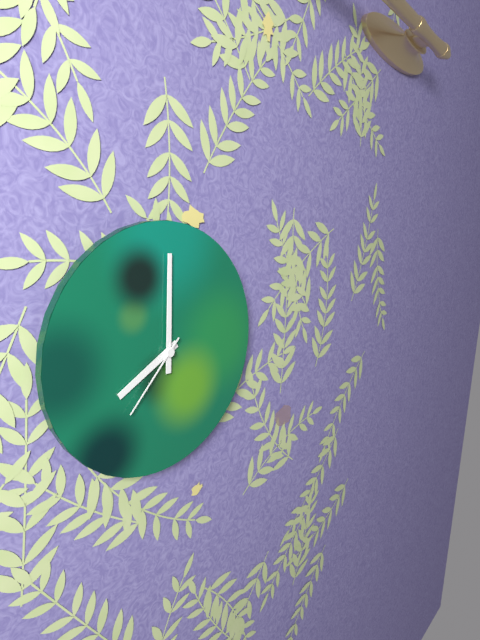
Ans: 8:00:37
